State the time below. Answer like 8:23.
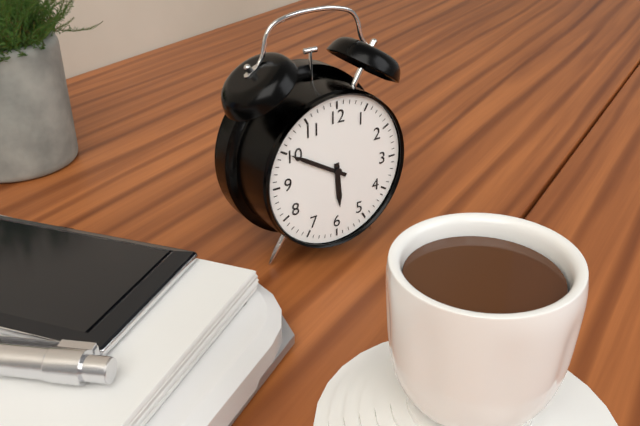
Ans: 5:50
